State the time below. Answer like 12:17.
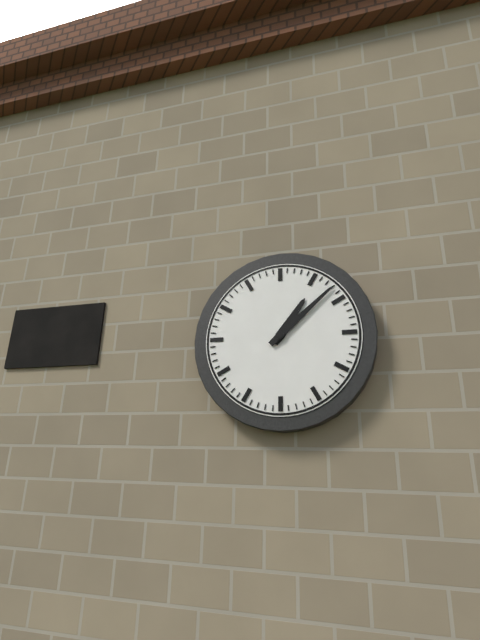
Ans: 1:08
